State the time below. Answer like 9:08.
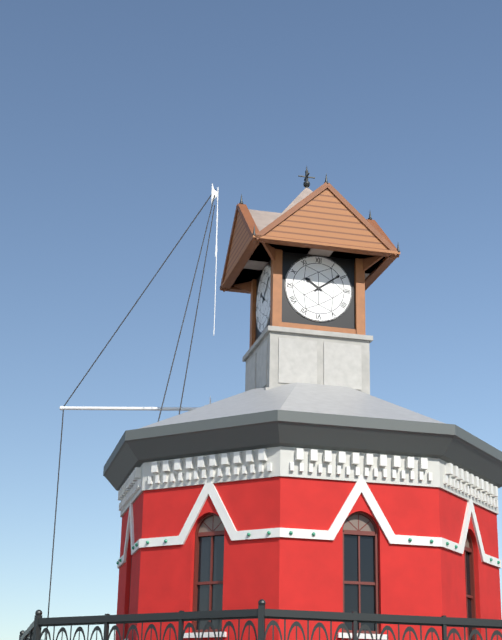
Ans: 10:09
